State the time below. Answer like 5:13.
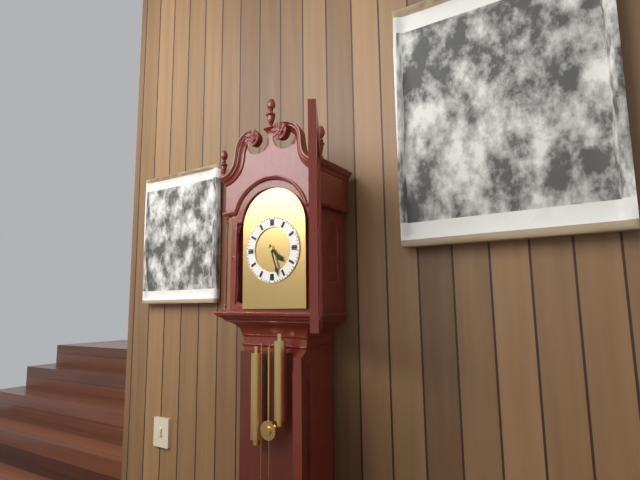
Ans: 4:27
